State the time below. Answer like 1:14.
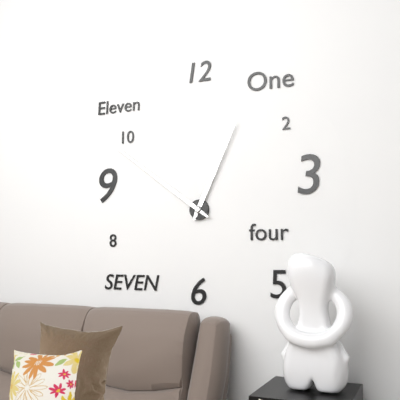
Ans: 12:51
